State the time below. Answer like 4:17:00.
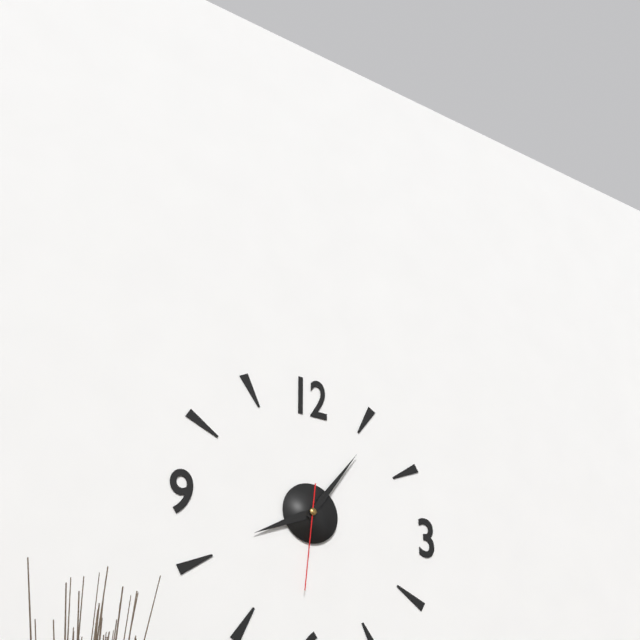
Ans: 8:06:31
